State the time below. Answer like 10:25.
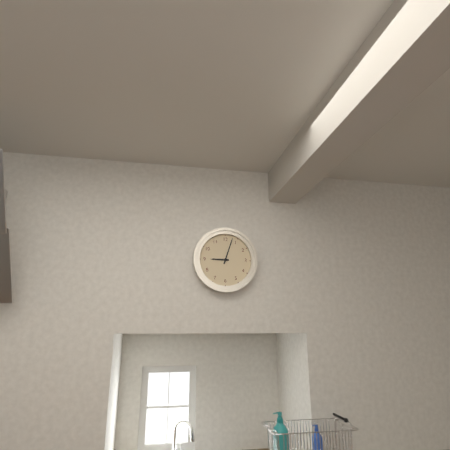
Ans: 9:03
